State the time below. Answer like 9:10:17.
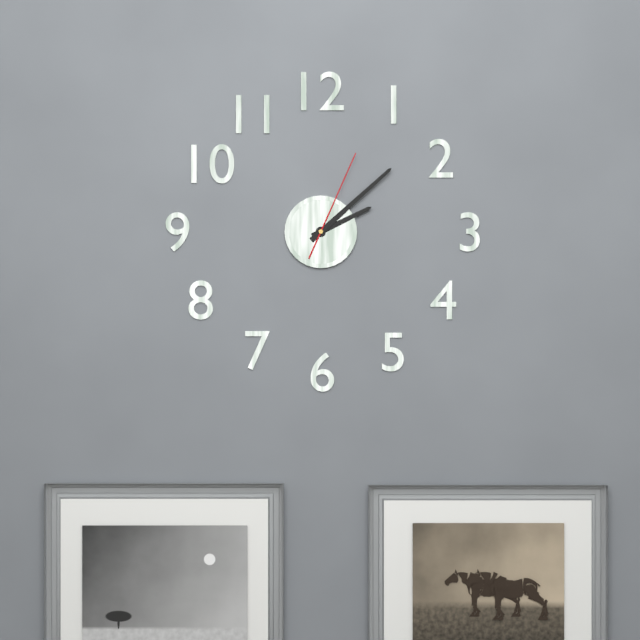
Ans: 2:08:04
